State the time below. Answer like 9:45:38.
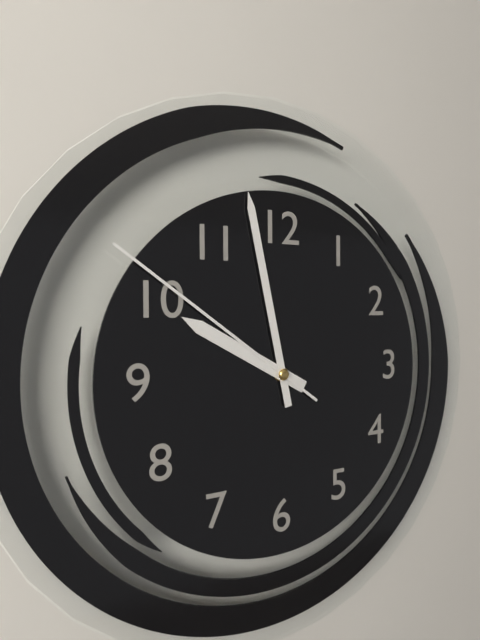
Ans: 9:58:51
